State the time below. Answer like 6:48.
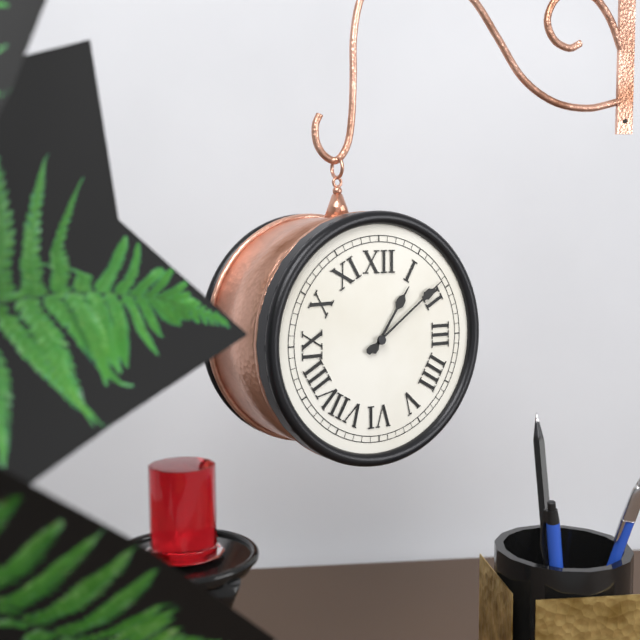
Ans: 1:09
